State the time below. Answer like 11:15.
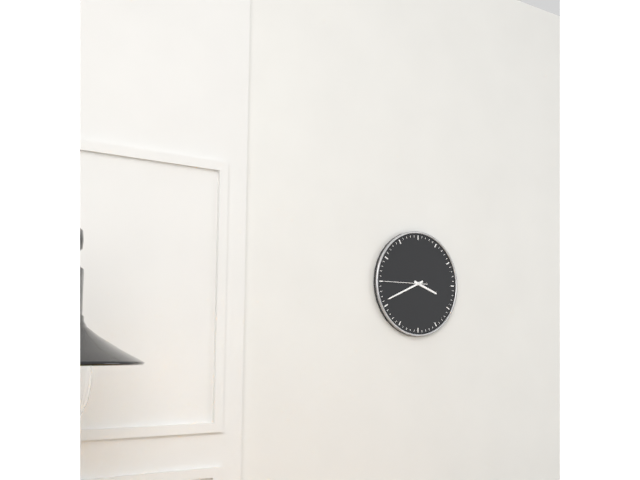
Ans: 3:41
